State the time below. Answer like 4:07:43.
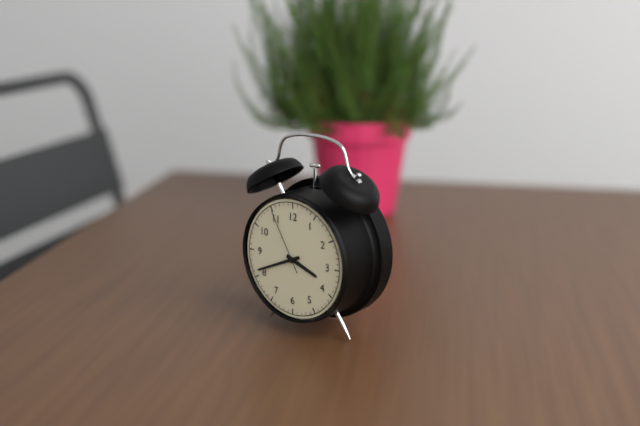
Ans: 3:41:55
